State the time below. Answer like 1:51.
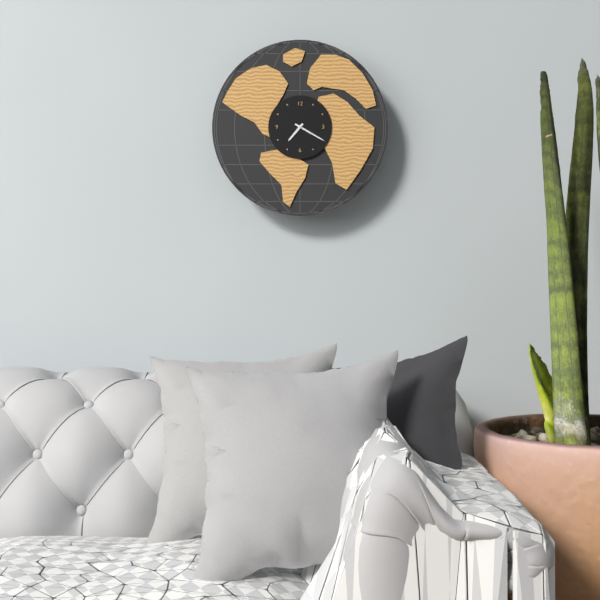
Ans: 7:20
